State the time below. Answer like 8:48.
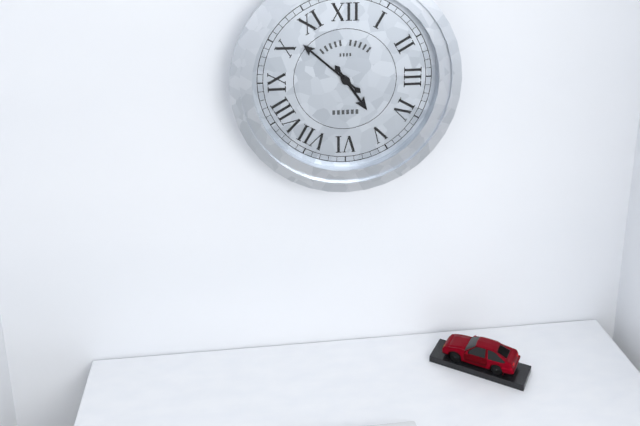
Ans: 4:52
